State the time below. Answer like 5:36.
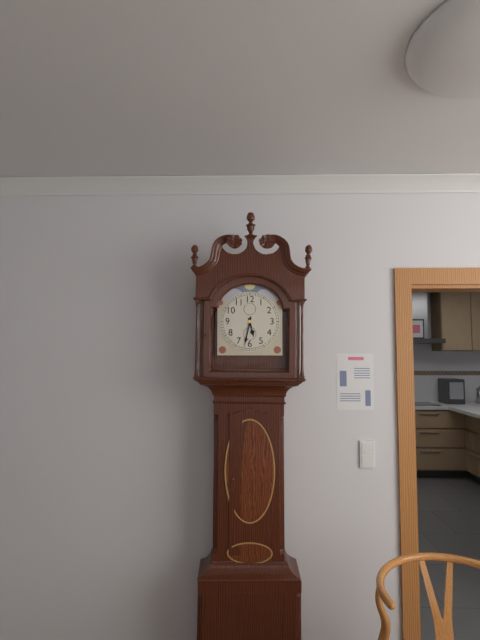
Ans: 5:32
